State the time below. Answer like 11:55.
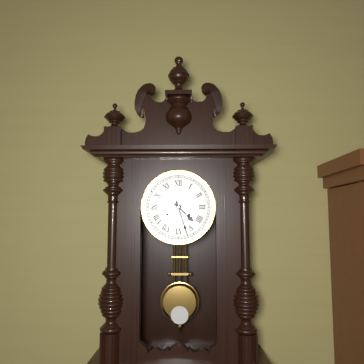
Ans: 4:27
